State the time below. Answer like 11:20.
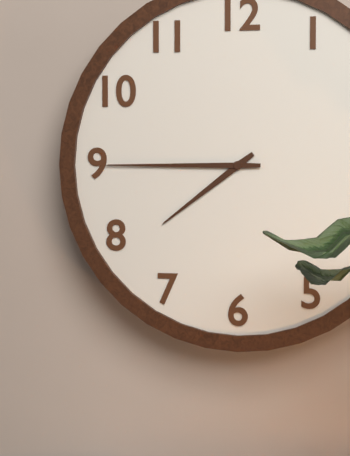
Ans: 7:45
